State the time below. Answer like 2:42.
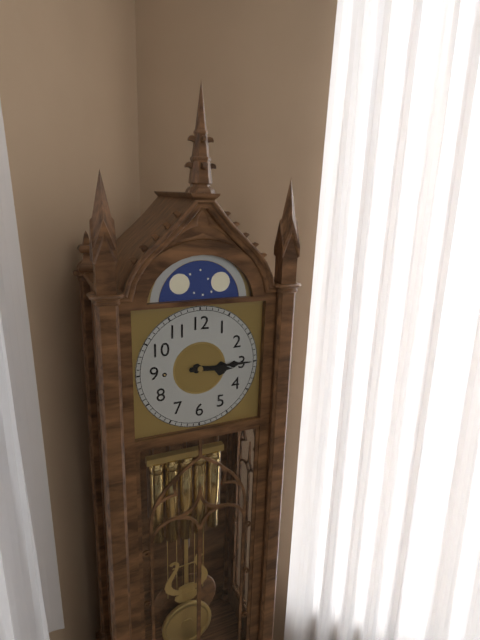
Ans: 3:15
